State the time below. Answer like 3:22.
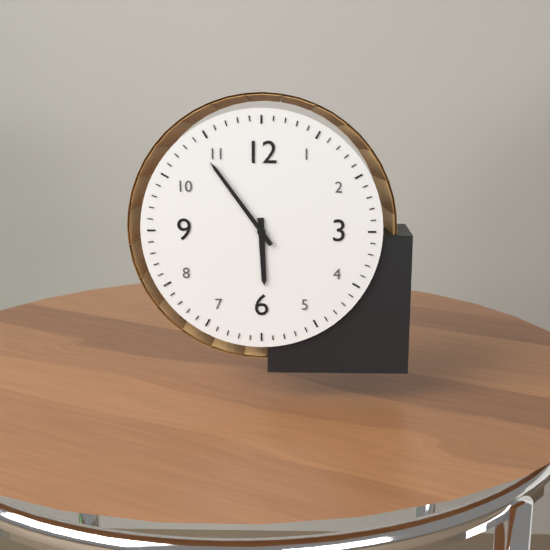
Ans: 5:54
